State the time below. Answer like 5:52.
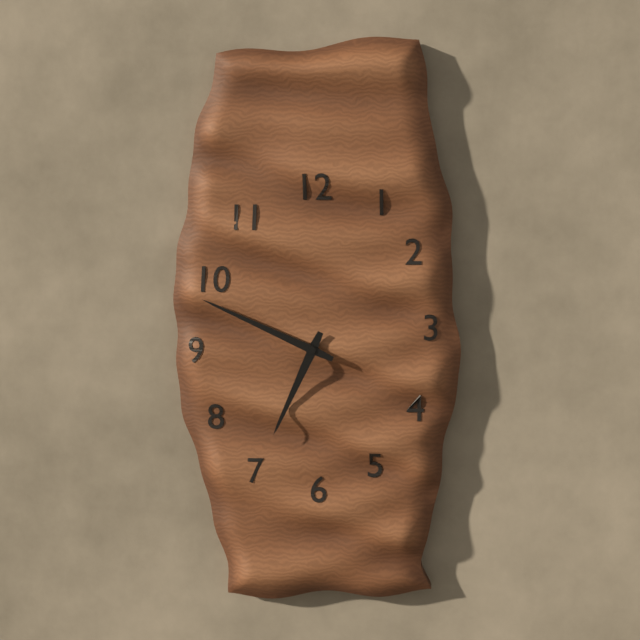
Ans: 6:49
